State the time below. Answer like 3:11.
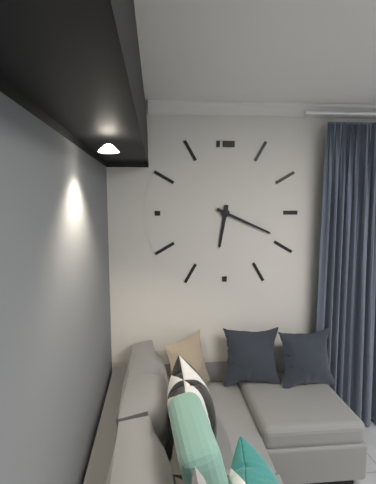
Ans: 6:19
